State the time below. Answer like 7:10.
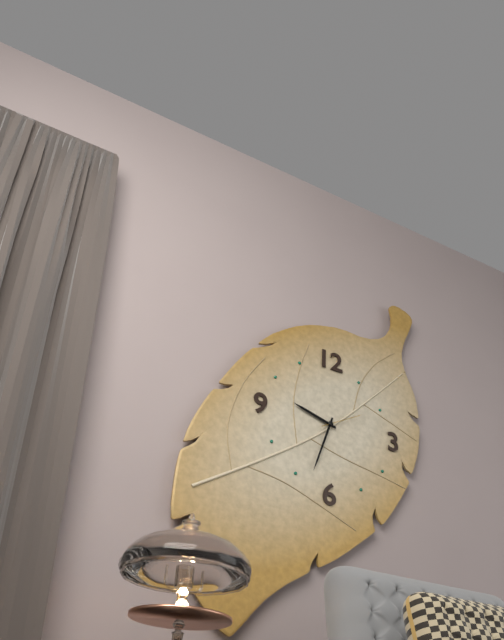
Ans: 9:33
